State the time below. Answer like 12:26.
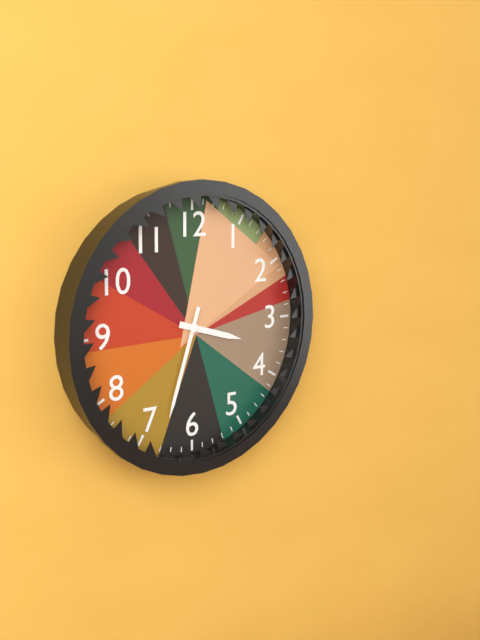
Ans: 3:33
